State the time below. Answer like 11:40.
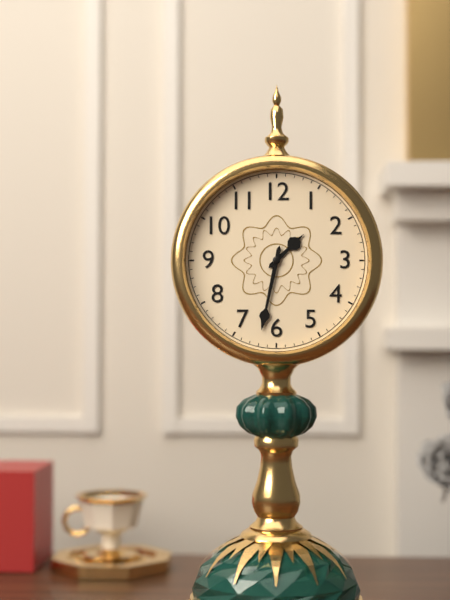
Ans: 1:32
